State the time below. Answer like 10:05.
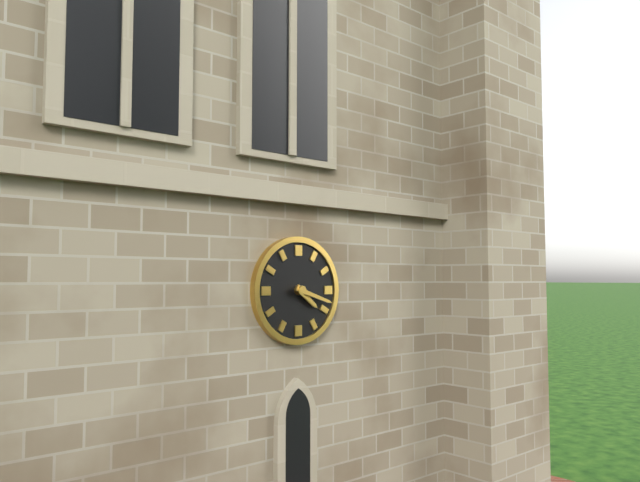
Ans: 4:18
